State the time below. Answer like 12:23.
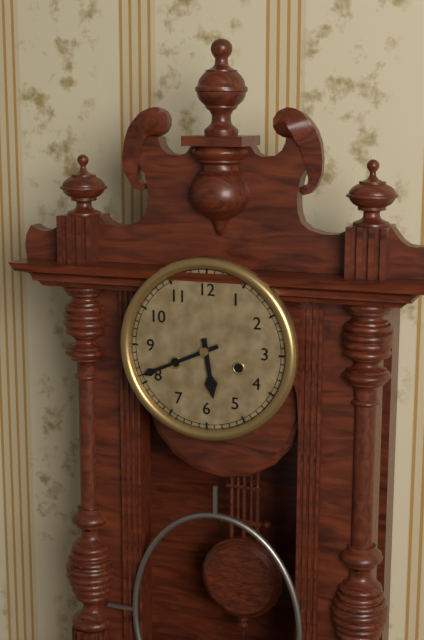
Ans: 5:41
